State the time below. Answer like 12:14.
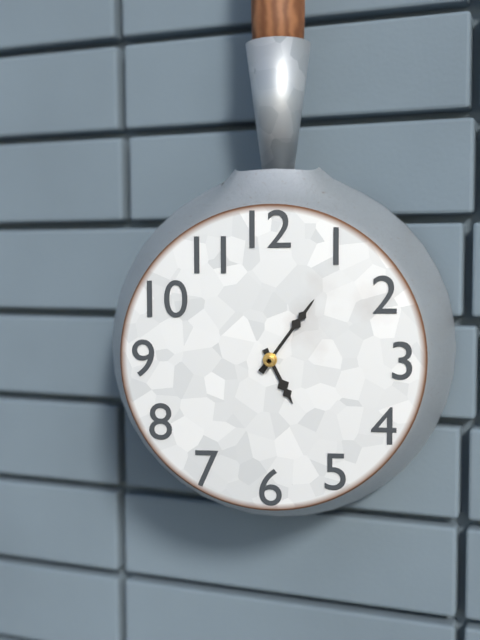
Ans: 5:06
